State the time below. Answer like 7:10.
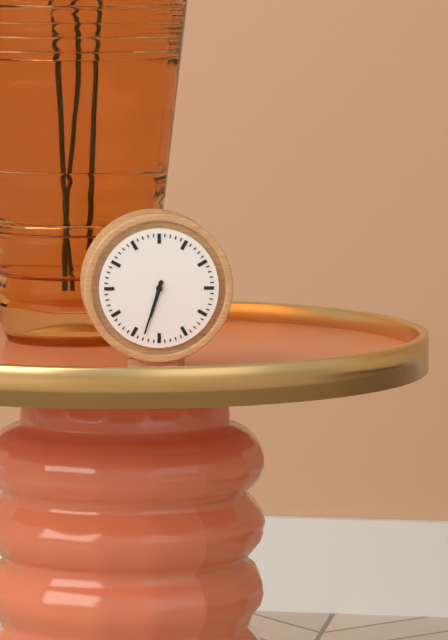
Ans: 6:33
